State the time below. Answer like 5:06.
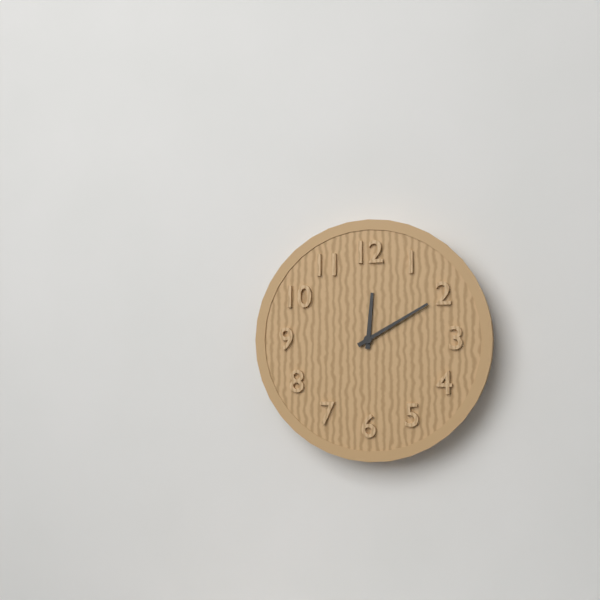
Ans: 12:10
